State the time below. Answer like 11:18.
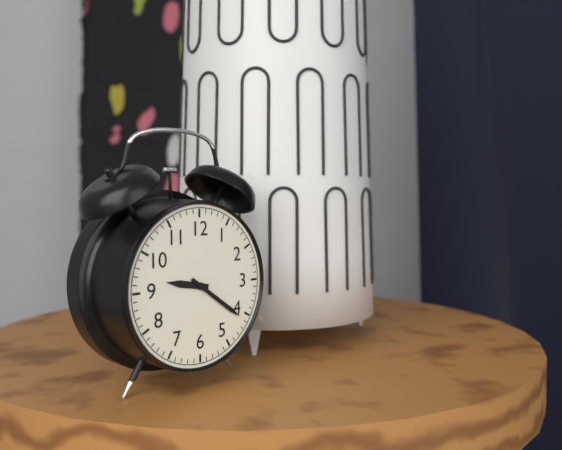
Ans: 9:21
